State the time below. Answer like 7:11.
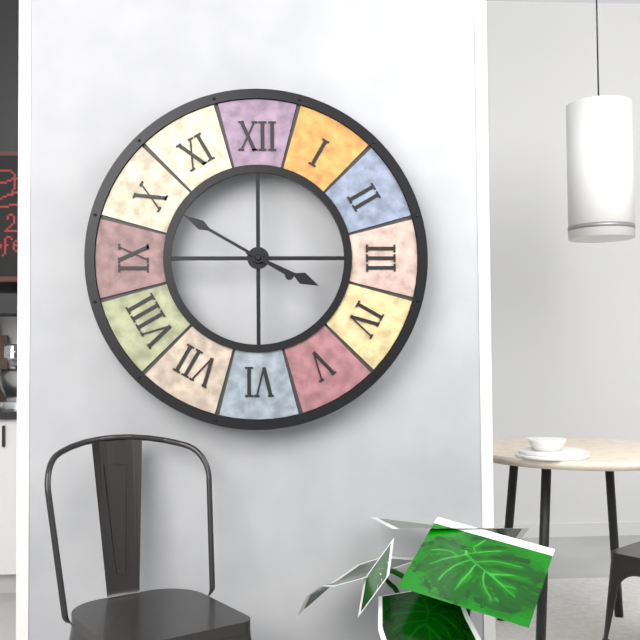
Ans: 3:50
